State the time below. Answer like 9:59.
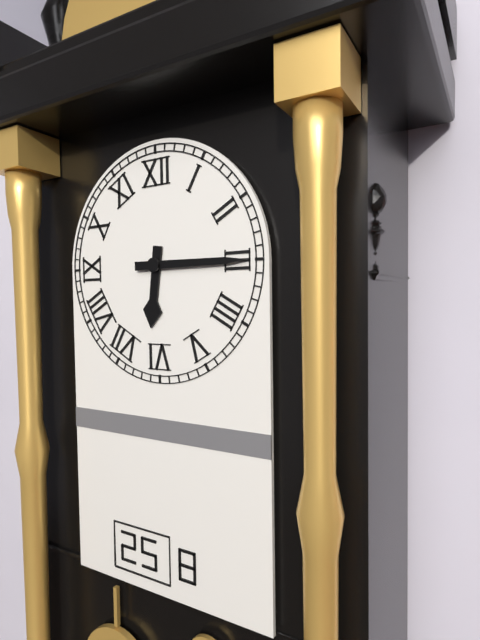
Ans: 6:15
